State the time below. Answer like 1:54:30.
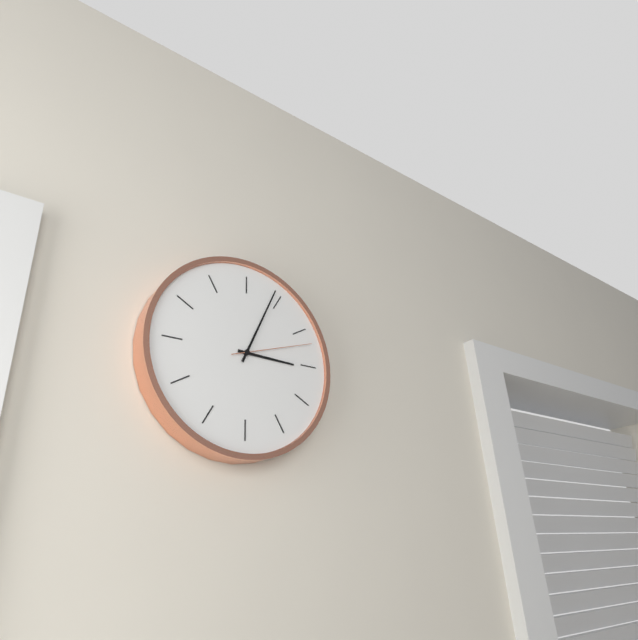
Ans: 3:04:12
